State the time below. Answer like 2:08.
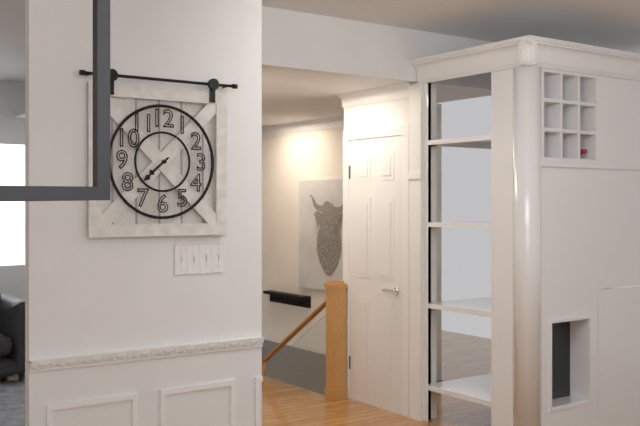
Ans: 7:38
